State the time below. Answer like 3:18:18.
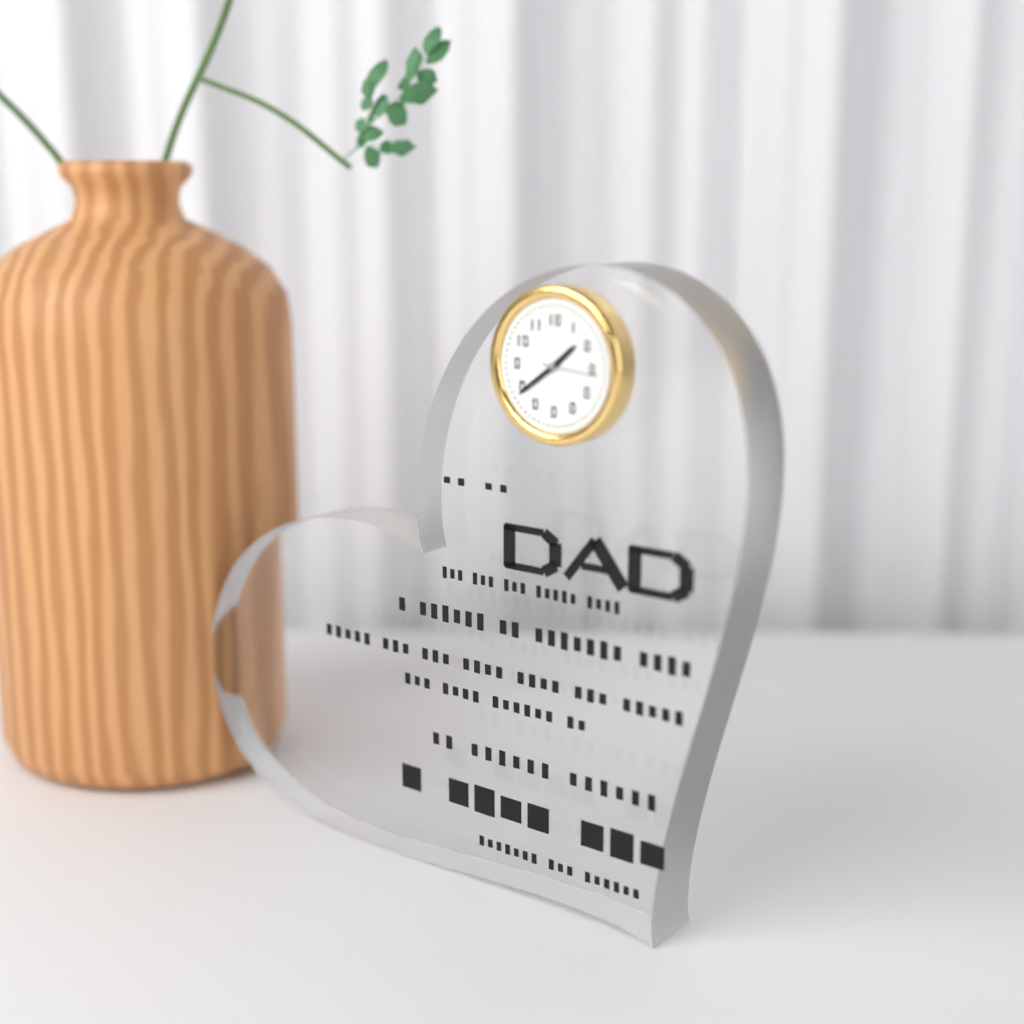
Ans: 1:39:16
